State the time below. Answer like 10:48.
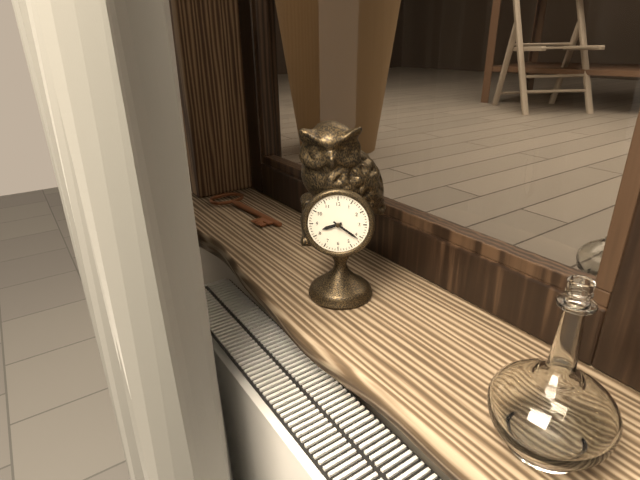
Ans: 8:21
